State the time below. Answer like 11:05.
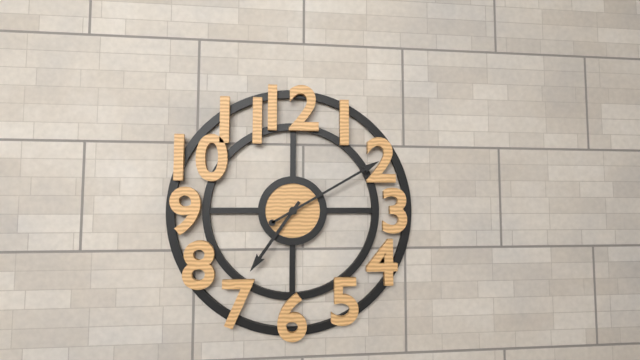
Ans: 7:10
